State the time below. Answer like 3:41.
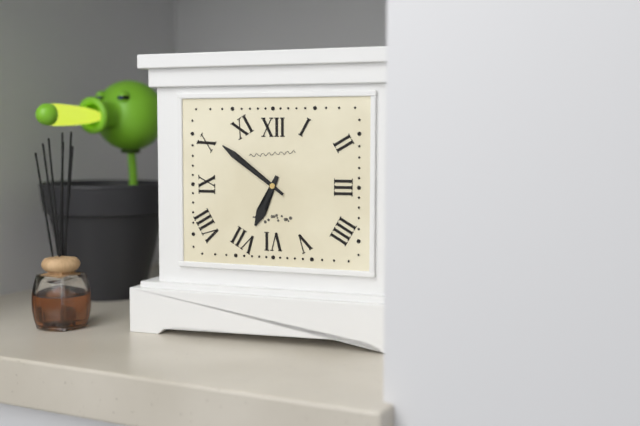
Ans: 6:51
